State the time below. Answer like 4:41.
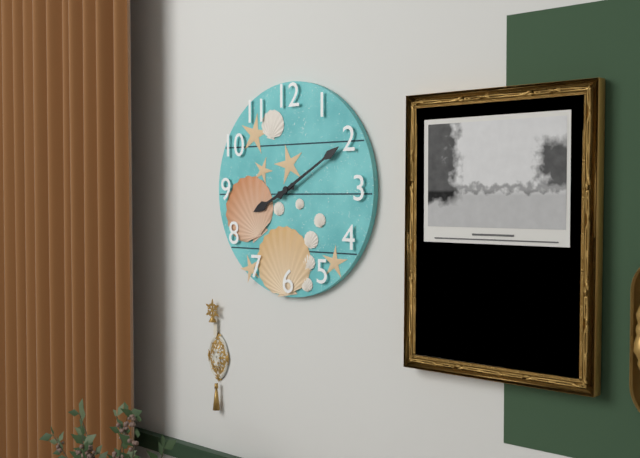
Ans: 8:10
